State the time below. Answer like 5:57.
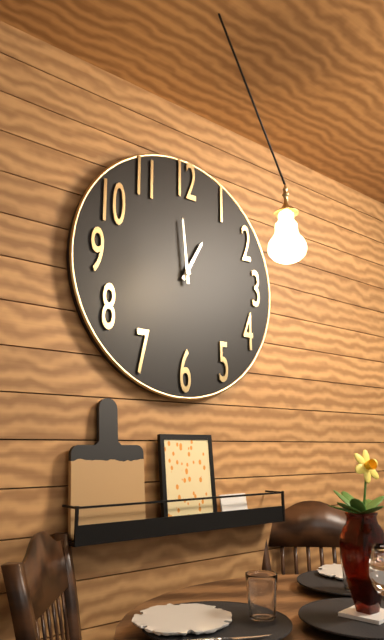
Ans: 12:59
